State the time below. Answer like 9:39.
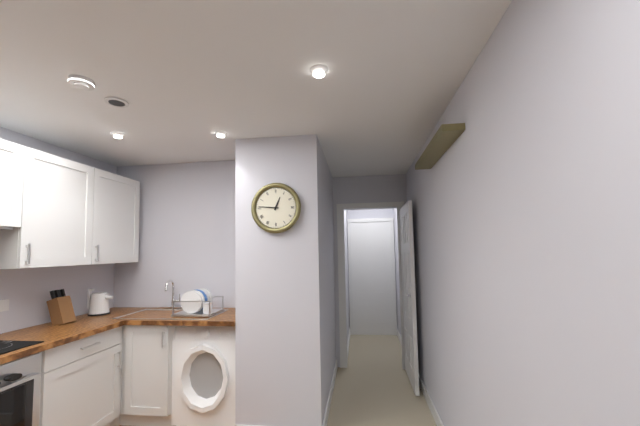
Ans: 12:46
